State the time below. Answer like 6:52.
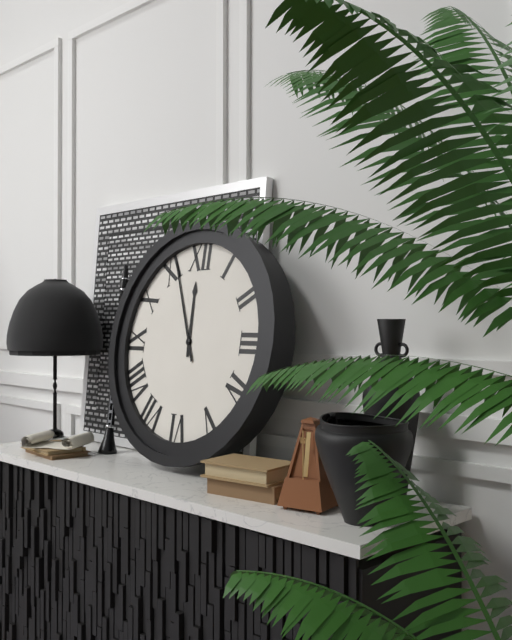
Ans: 11:56
